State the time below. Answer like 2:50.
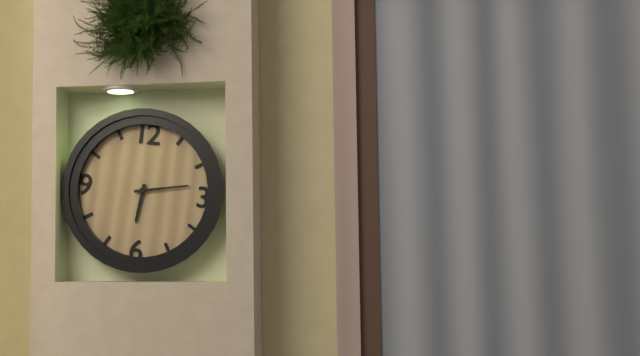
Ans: 6:13
